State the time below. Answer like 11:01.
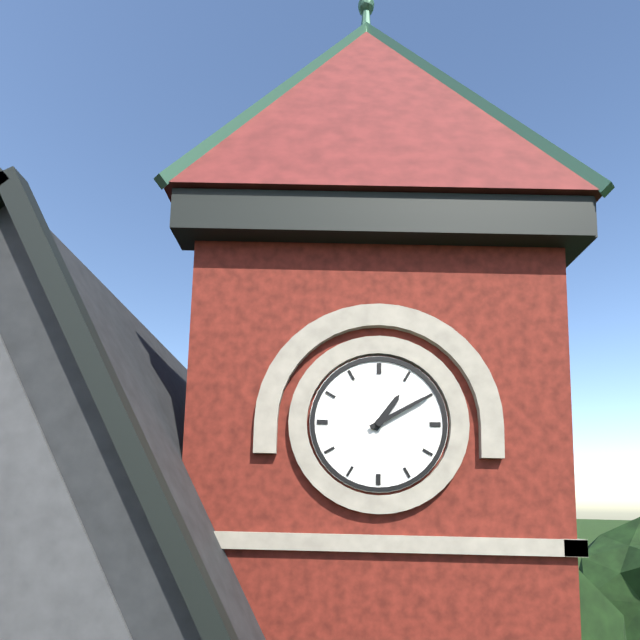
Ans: 1:10
